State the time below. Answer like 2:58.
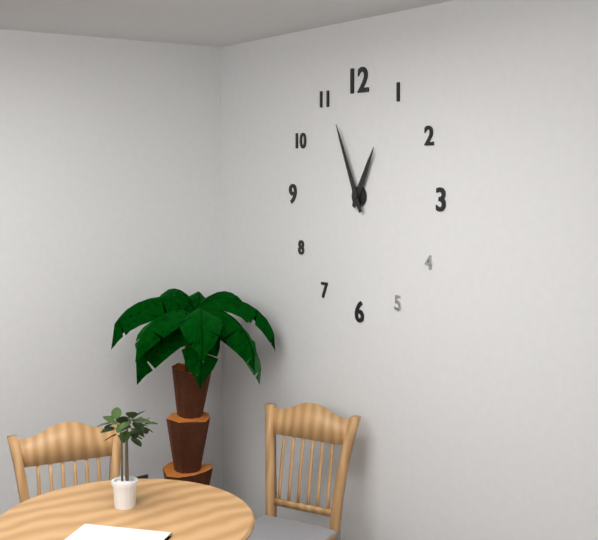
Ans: 12:56
